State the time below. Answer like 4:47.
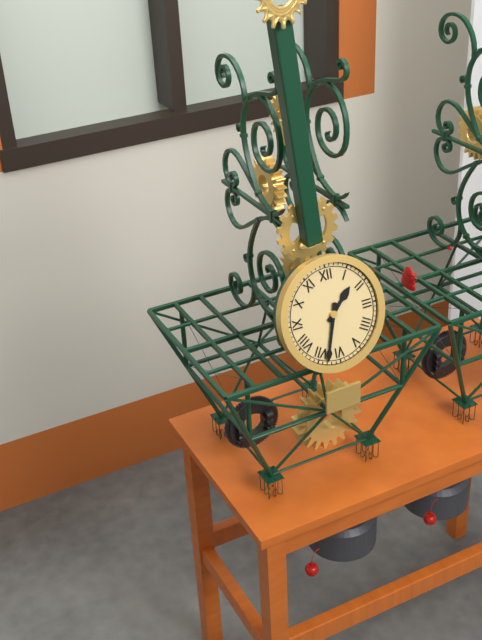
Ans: 1:33
